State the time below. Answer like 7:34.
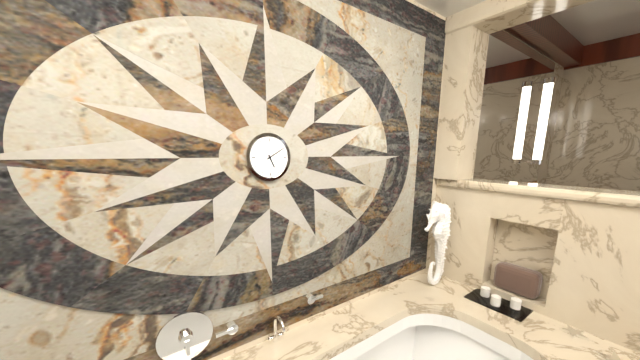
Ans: 5:10
